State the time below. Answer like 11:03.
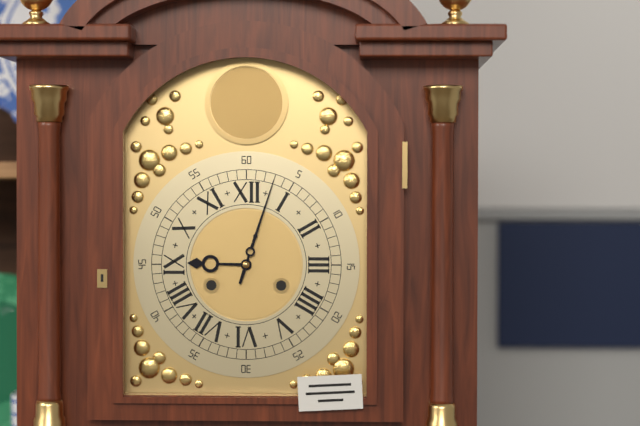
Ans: 9:03
